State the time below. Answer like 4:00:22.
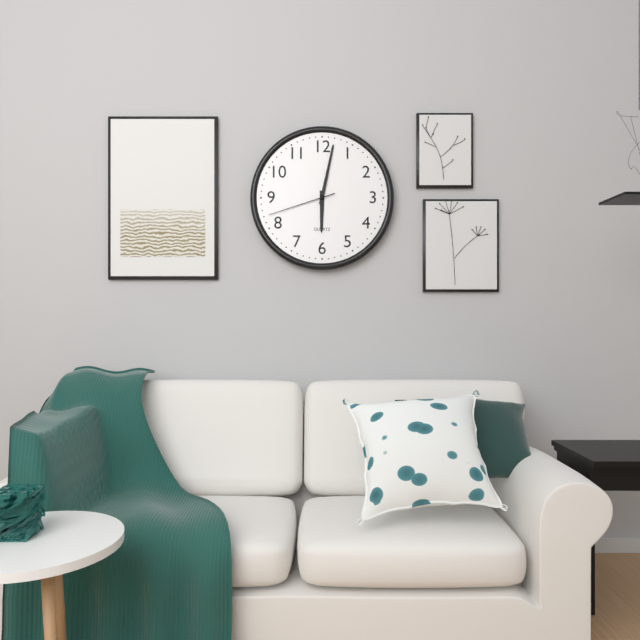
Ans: 6:02:42
